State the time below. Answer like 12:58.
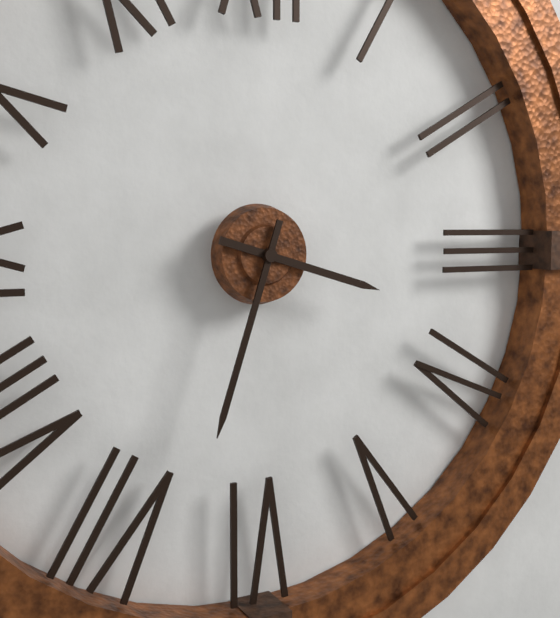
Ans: 3:33
